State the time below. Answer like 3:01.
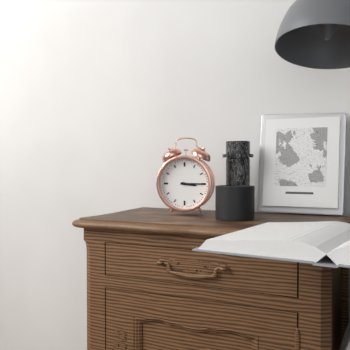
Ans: 3:15
